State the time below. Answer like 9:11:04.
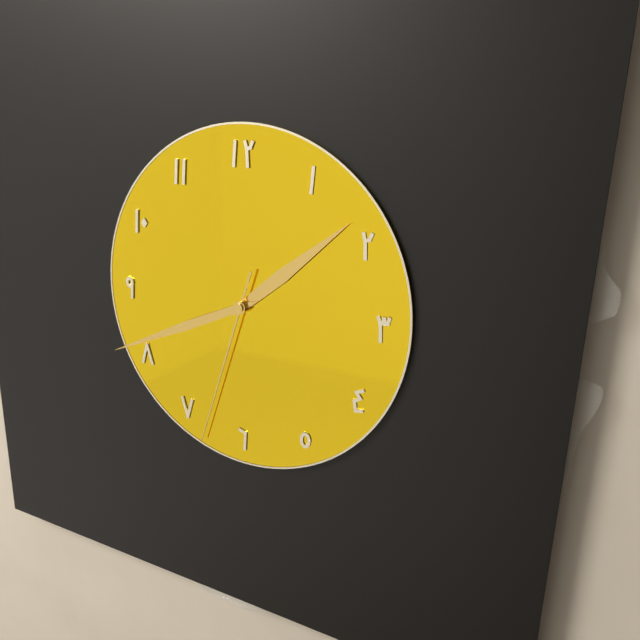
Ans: 1:41:33
